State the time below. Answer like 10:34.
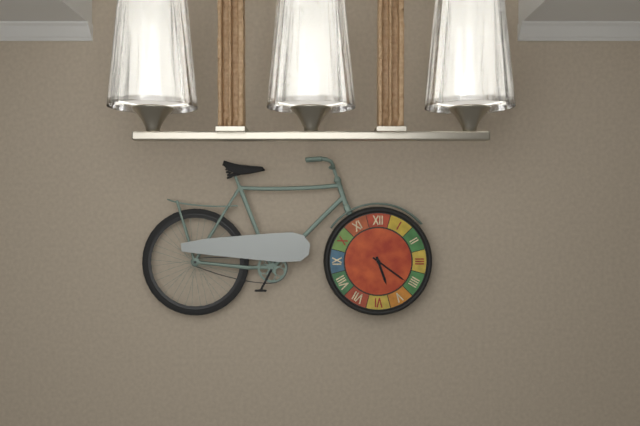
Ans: 5:21
